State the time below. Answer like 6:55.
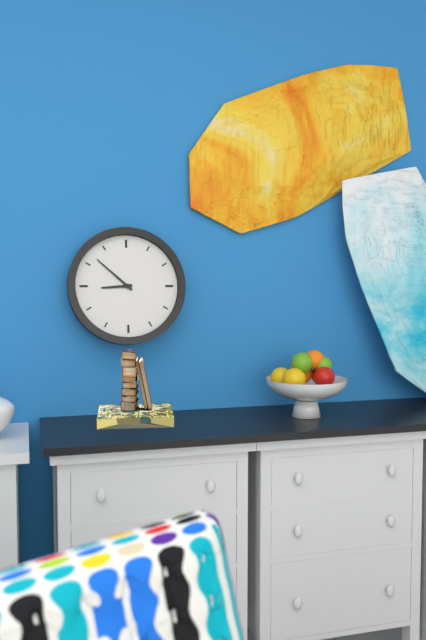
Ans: 8:52
